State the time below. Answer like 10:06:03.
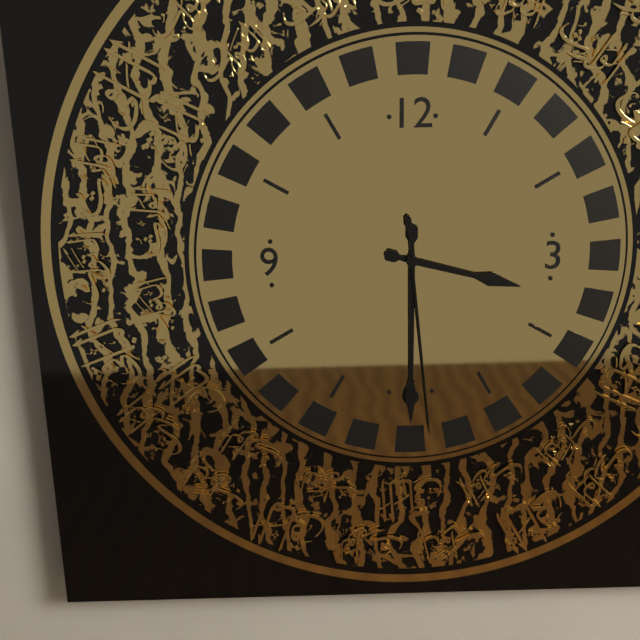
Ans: 3:30:29
